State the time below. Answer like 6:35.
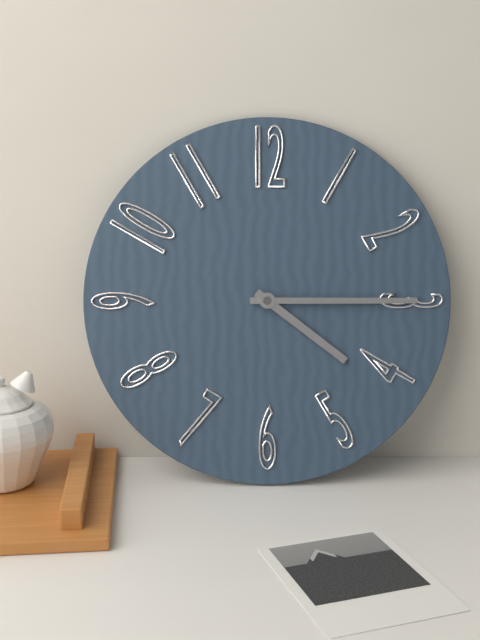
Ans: 4:15
